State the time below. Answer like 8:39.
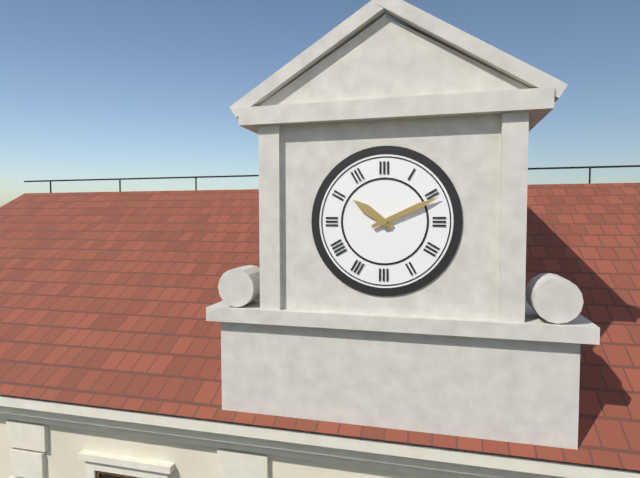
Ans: 10:11
